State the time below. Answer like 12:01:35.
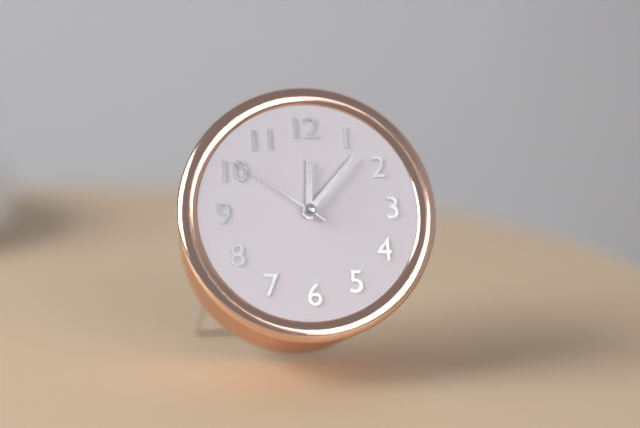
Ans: 12:07:51
